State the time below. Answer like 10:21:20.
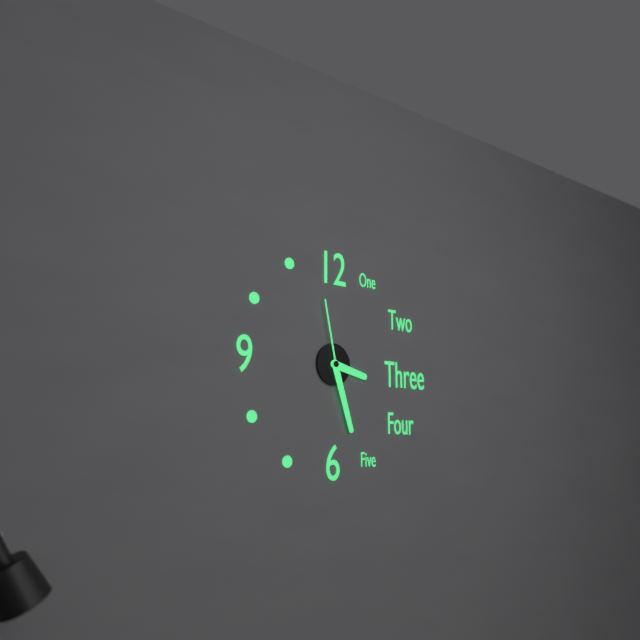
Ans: 3:27:58
